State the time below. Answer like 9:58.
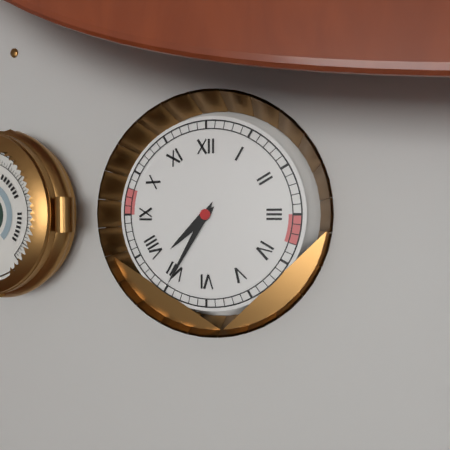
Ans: 7:35
